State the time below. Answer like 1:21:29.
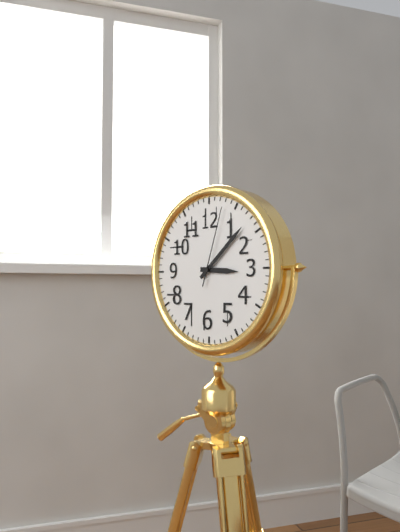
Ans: 3:08:03
